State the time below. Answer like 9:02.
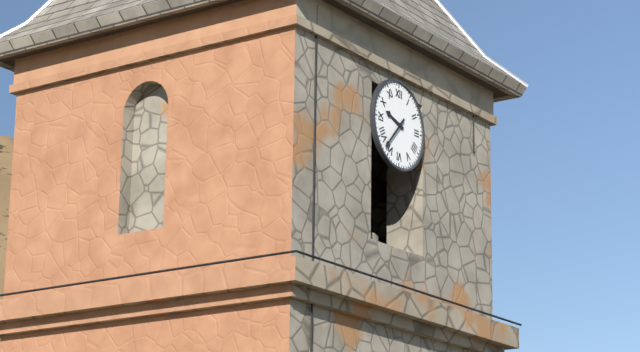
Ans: 9:37
